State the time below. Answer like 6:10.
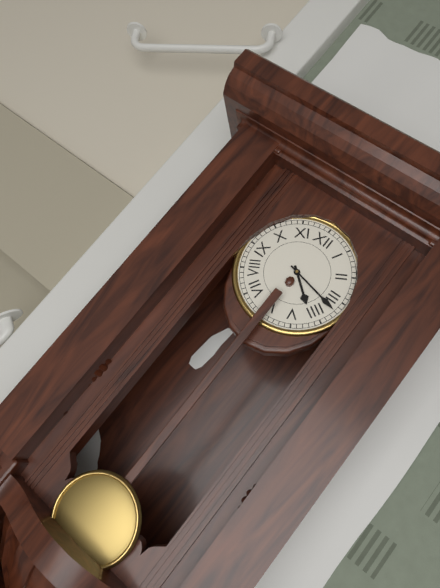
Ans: 4:17
